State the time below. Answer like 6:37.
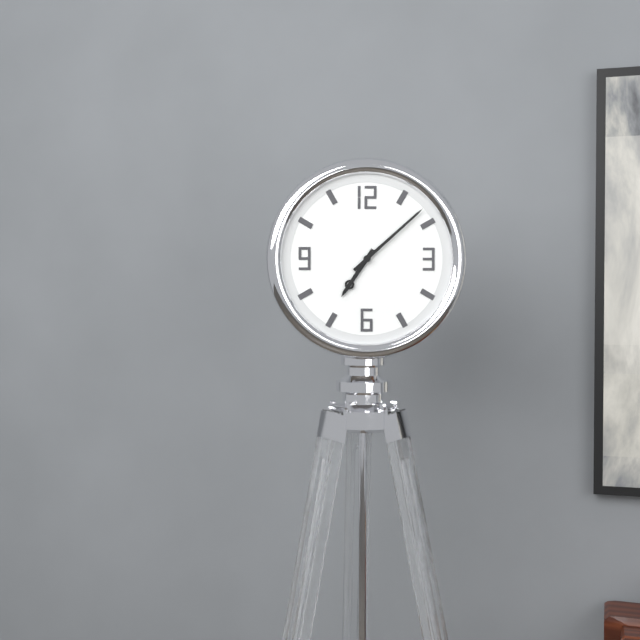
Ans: 7:08
